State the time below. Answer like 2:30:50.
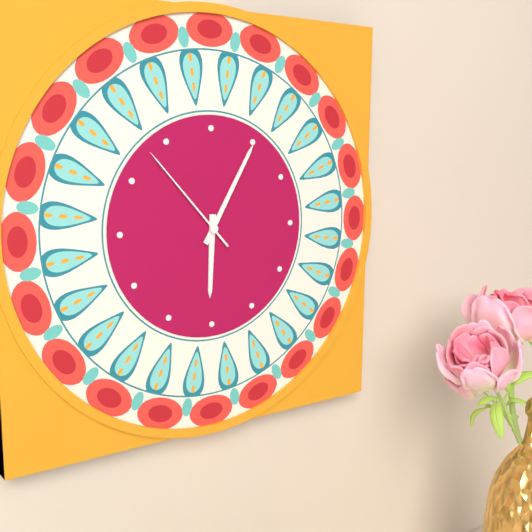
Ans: 6:05:53
